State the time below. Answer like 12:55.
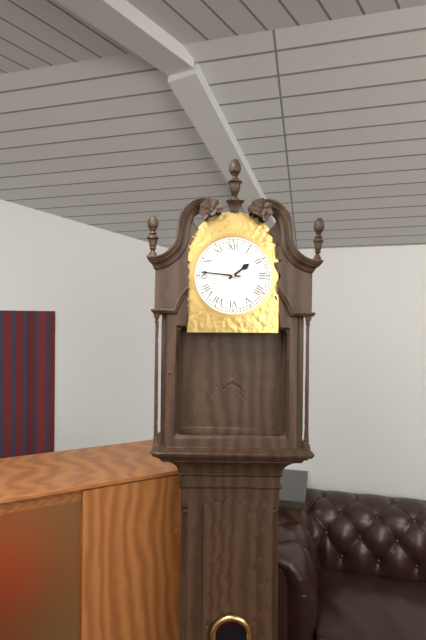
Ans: 1:46
